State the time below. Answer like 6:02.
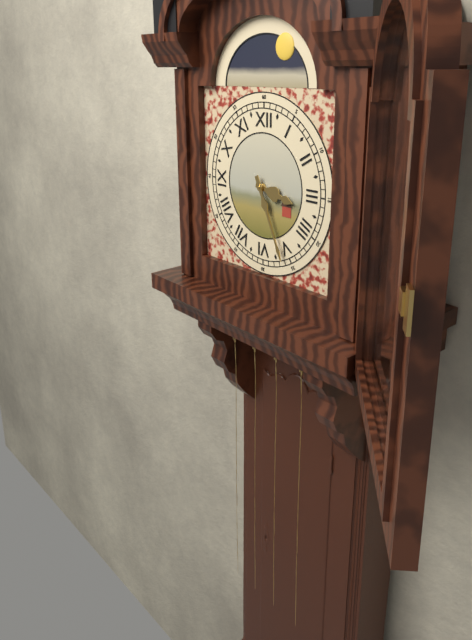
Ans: 3:26
